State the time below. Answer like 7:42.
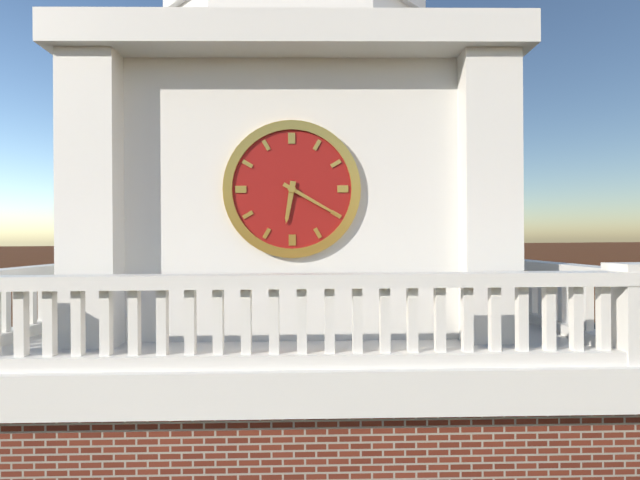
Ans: 6:20
